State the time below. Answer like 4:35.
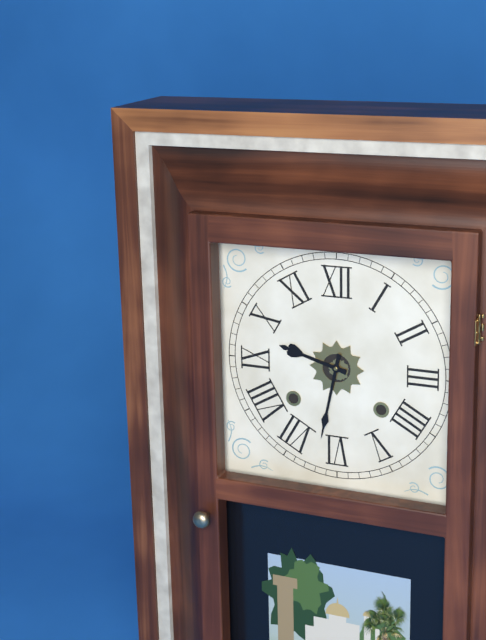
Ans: 9:32
